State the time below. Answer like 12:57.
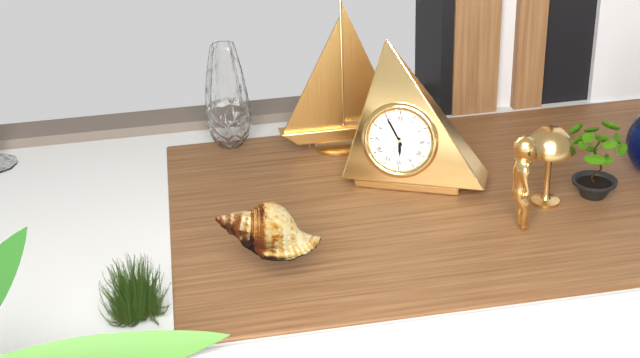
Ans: 5:55
